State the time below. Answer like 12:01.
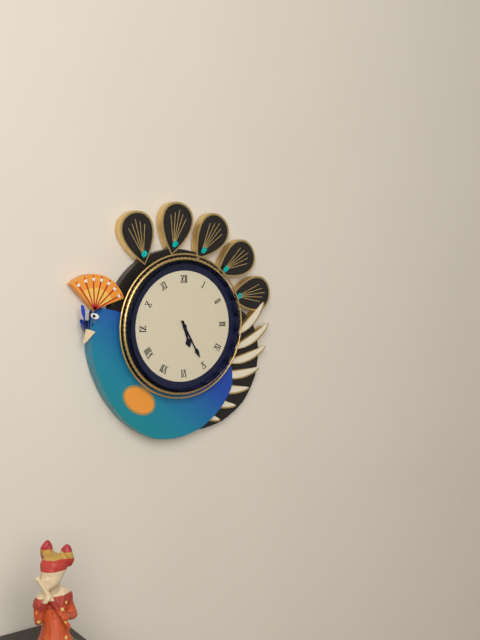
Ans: 5:25
